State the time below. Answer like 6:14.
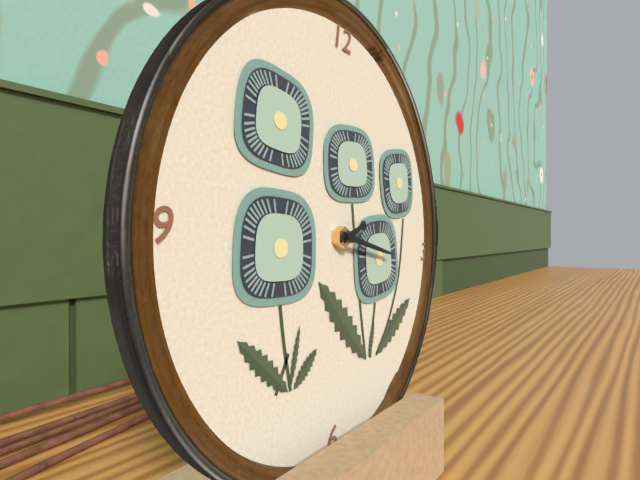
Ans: 2:17
